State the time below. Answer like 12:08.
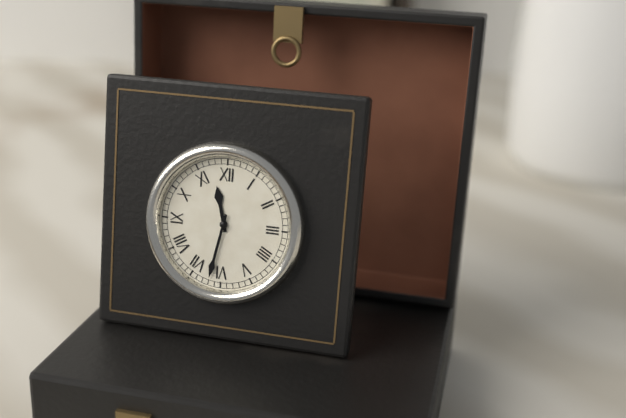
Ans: 11:32
